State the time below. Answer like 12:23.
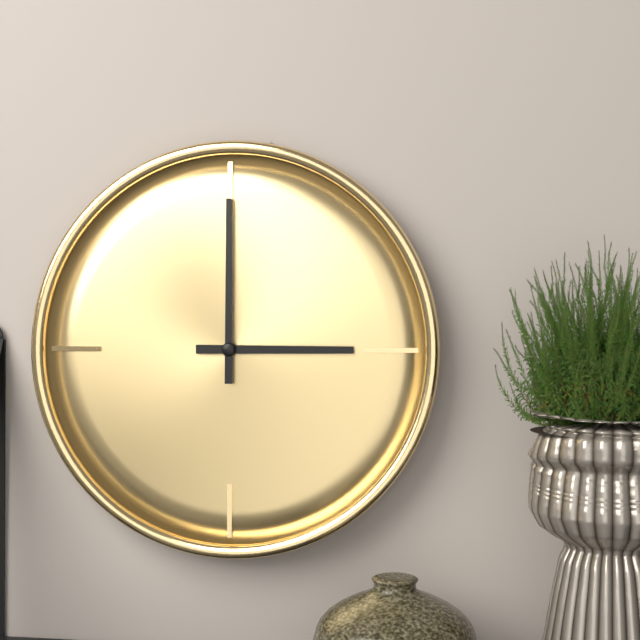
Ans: 3:00
